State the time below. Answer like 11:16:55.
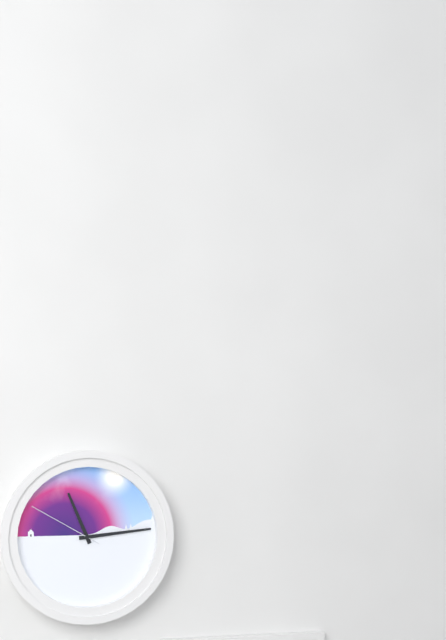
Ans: 11:14:50
